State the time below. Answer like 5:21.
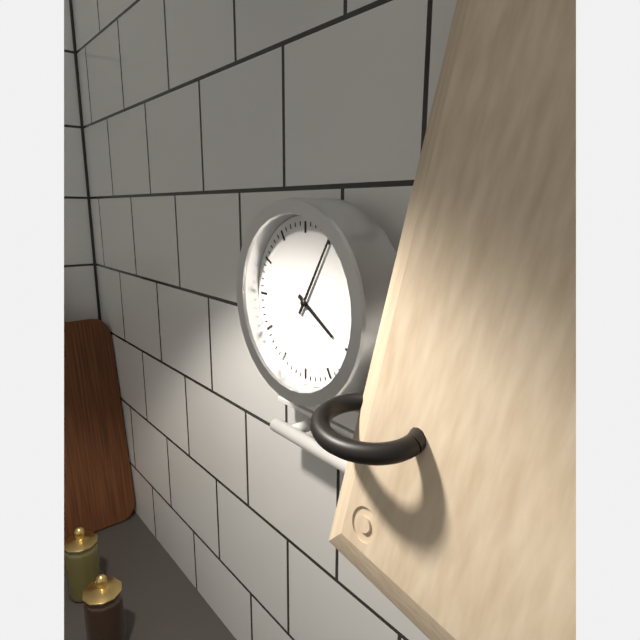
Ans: 4:05
